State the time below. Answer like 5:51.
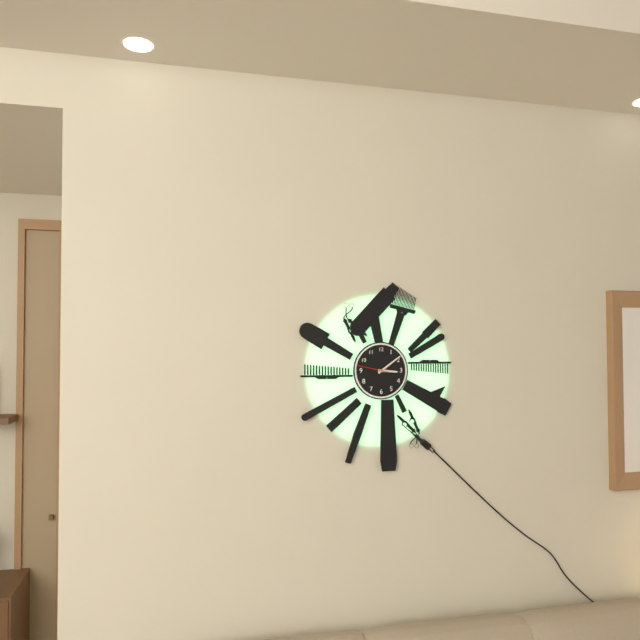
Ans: 3:09
